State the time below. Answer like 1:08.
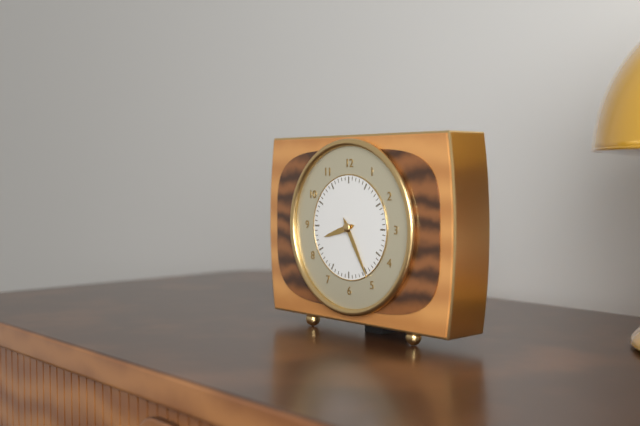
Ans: 8:25
